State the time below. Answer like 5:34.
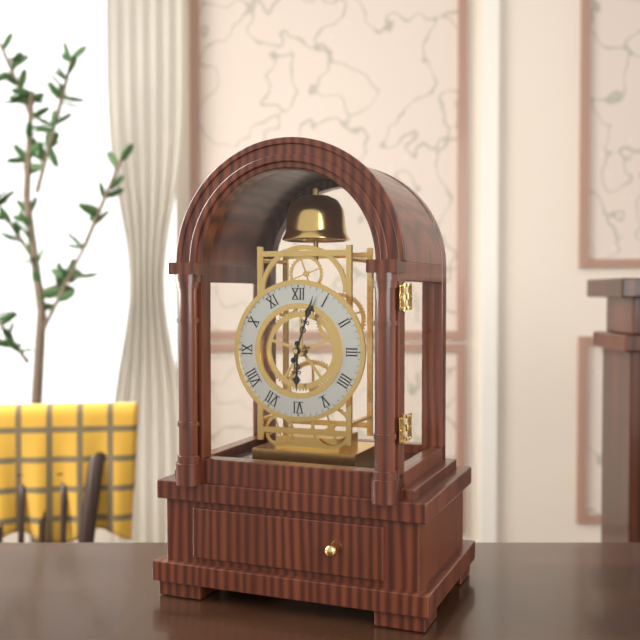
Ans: 6:03
